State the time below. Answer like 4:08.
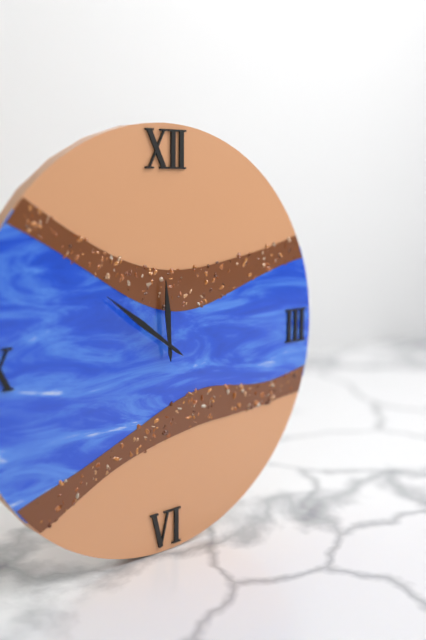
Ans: 11:51
